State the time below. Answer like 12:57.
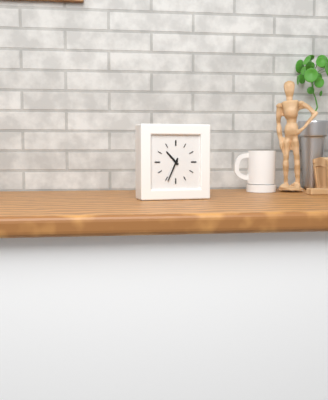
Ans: 10:34
